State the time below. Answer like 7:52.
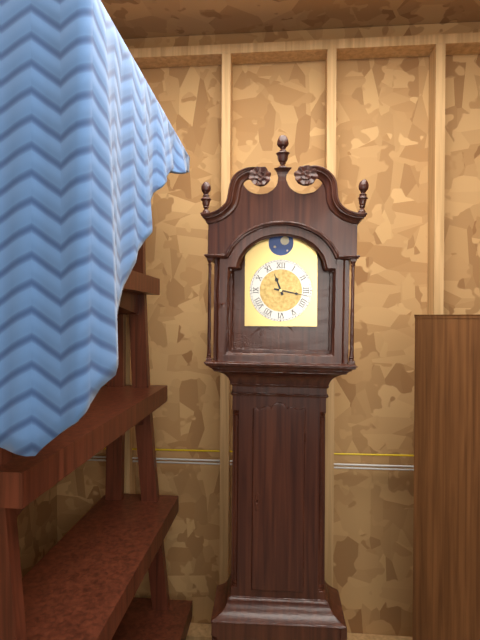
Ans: 11:17
